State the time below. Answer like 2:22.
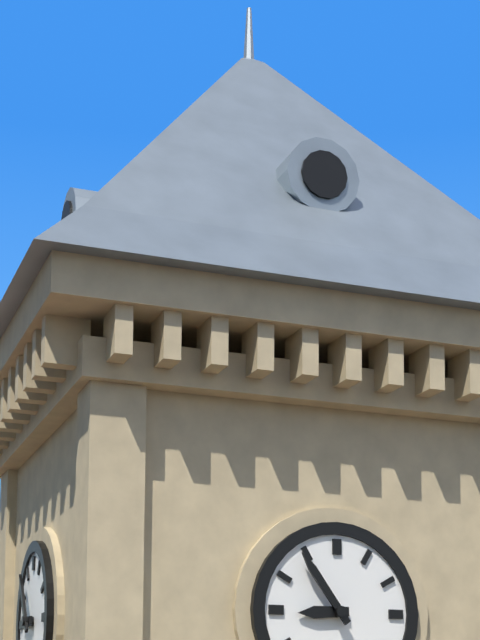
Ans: 8:54
